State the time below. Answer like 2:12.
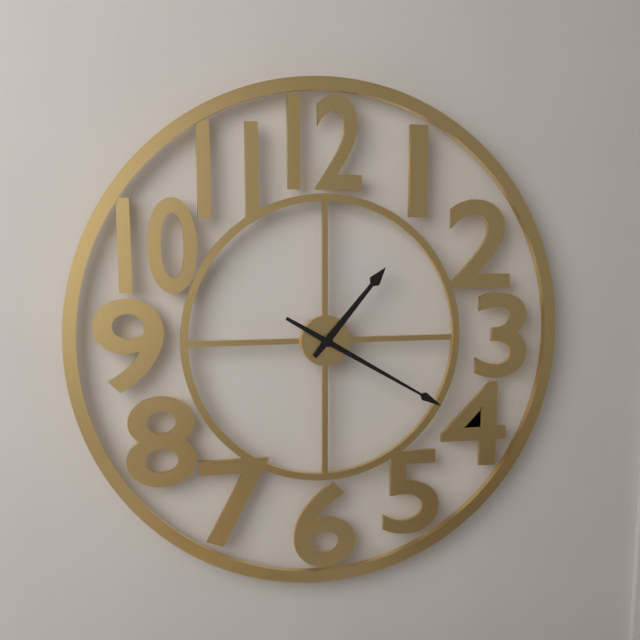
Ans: 1:20
